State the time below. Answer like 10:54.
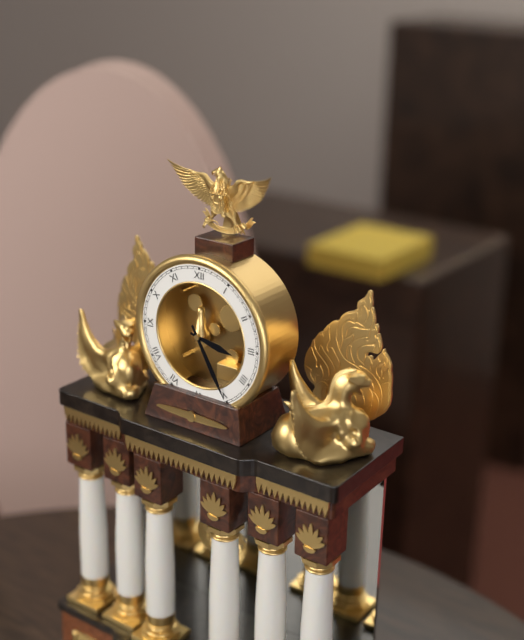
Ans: 3:25
